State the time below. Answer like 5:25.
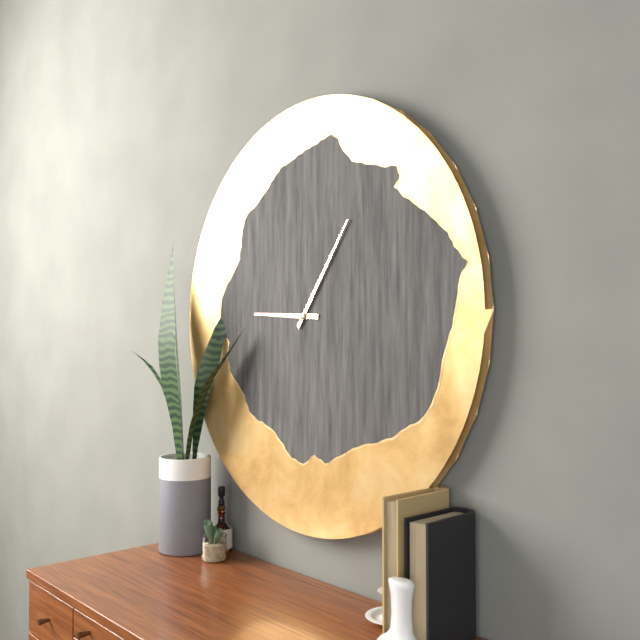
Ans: 9:06
